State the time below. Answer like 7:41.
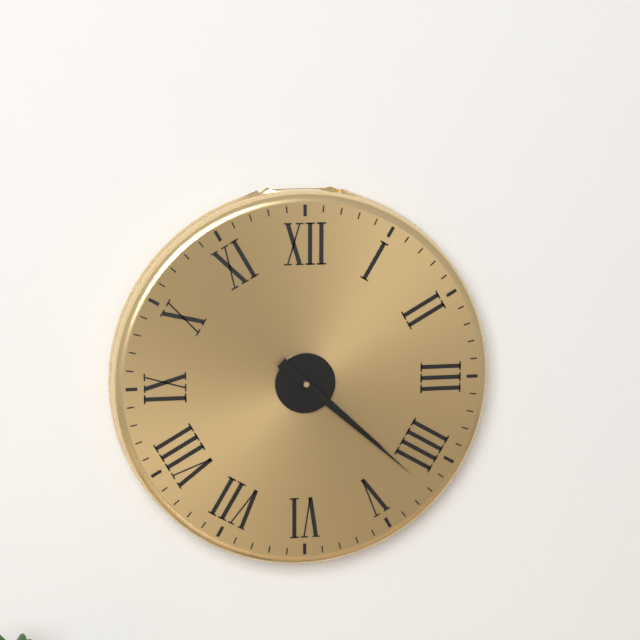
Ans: 4:22
